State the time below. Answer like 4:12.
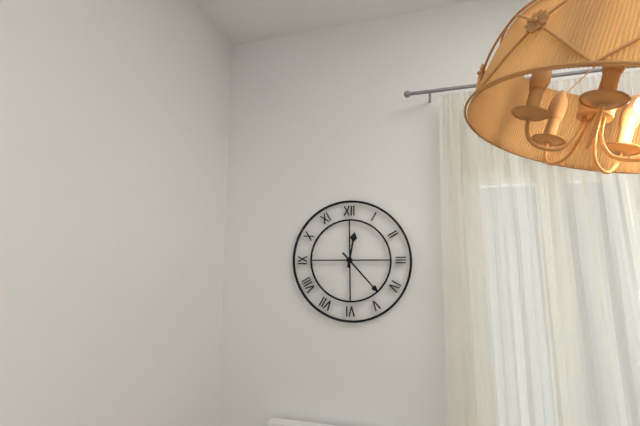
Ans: 12:23
